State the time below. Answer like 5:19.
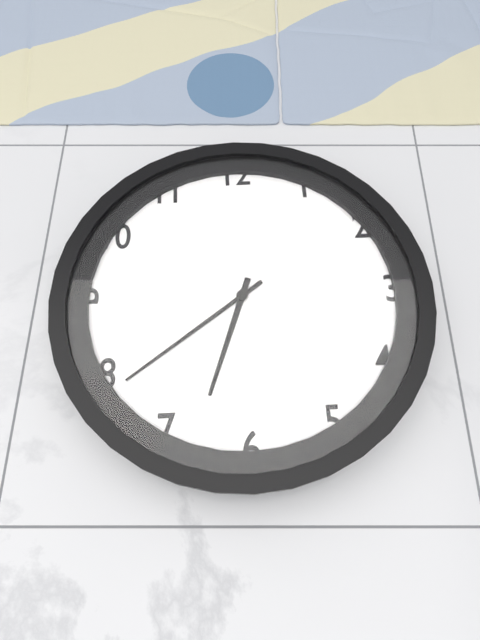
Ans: 6:39
